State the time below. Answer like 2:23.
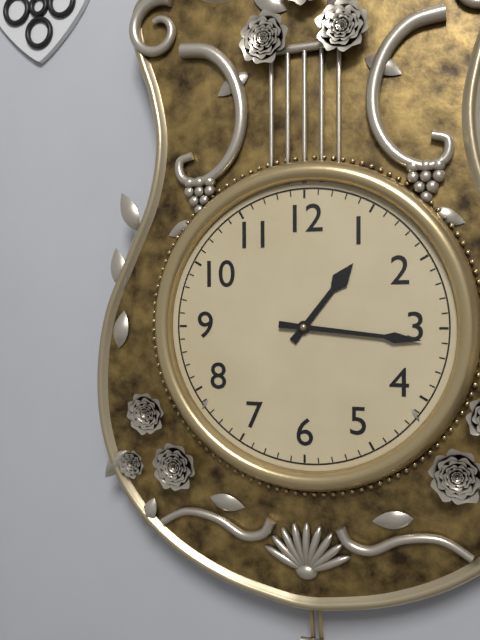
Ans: 1:16
